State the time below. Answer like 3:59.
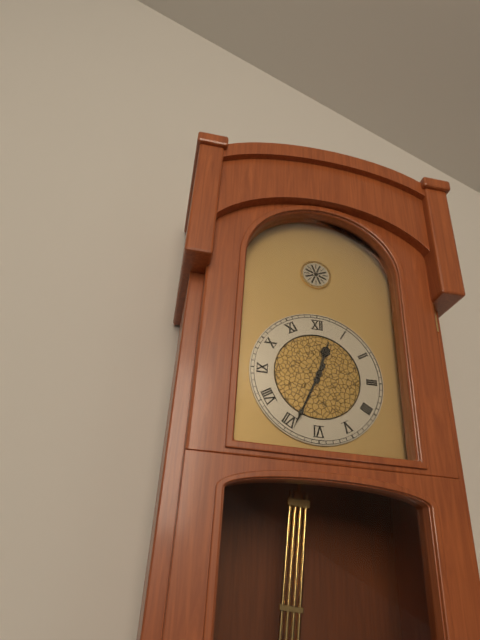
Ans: 12:34
